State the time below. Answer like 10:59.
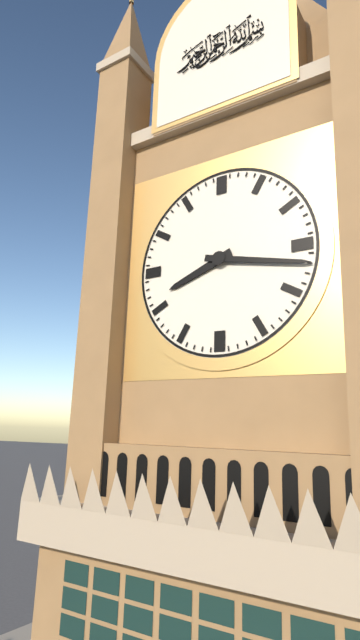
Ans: 8:17
